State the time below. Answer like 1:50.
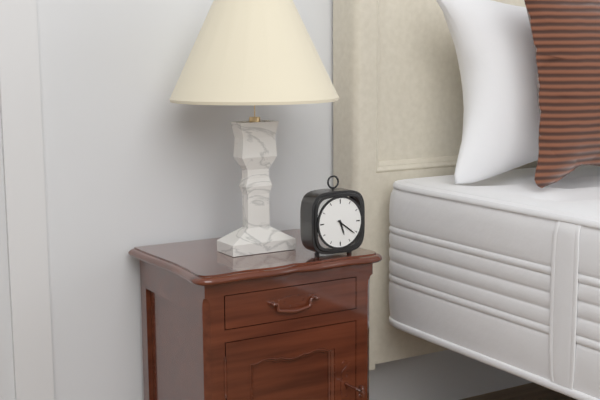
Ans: 5:21
